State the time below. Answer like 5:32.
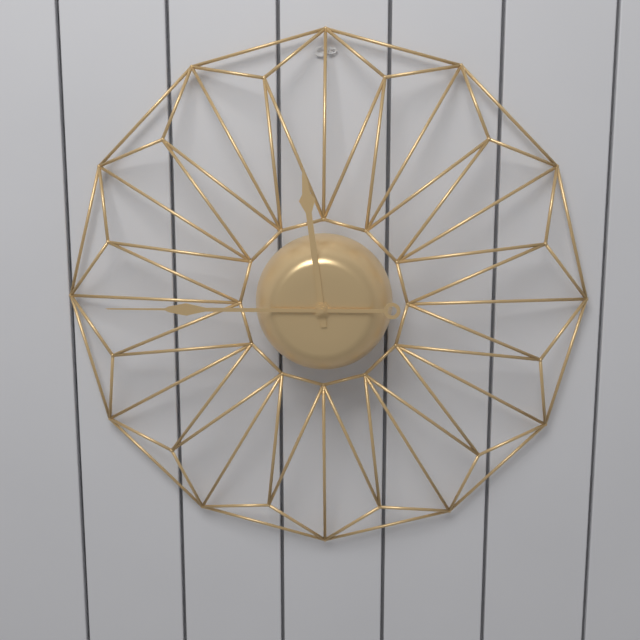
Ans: 11:45
